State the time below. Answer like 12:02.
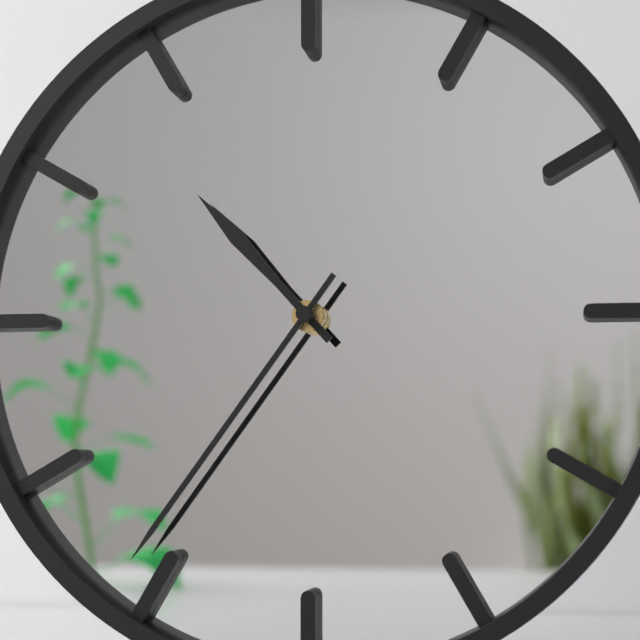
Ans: 10:36
